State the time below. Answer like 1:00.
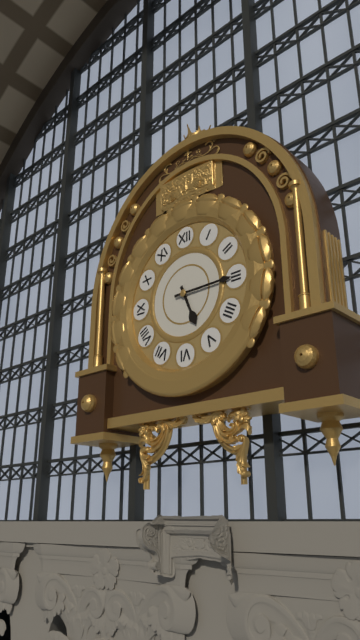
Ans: 5:15
